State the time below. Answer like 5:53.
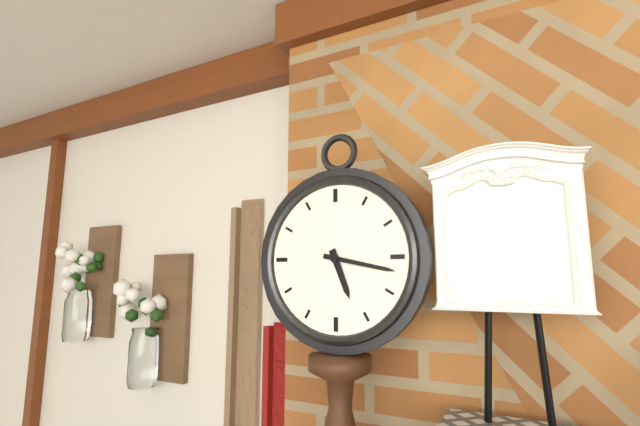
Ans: 5:17
